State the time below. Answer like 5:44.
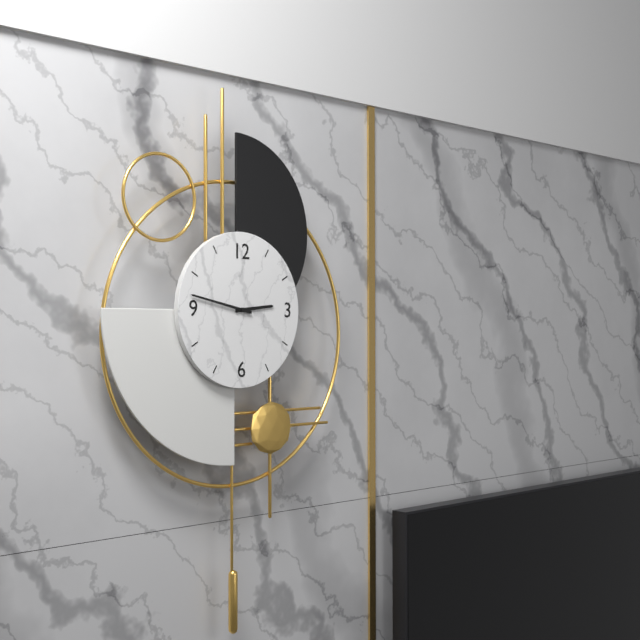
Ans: 2:47
